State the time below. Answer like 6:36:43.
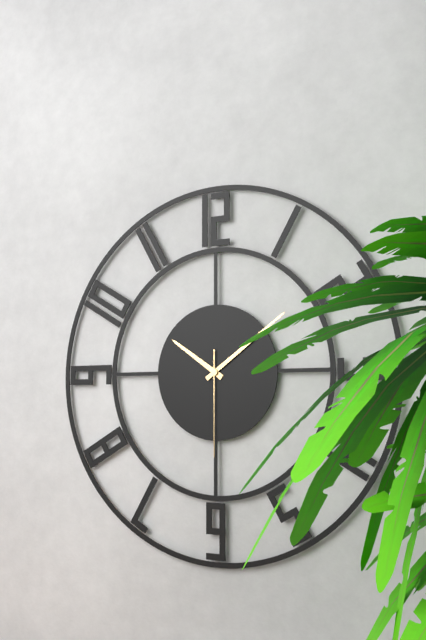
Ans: 10:09:30
